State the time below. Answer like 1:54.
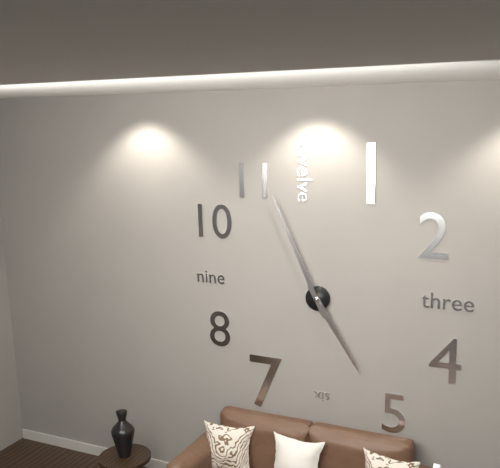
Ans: 4:56
